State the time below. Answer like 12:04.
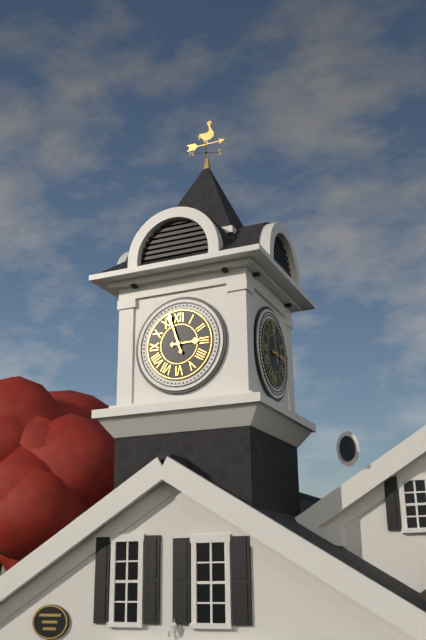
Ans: 2:57
